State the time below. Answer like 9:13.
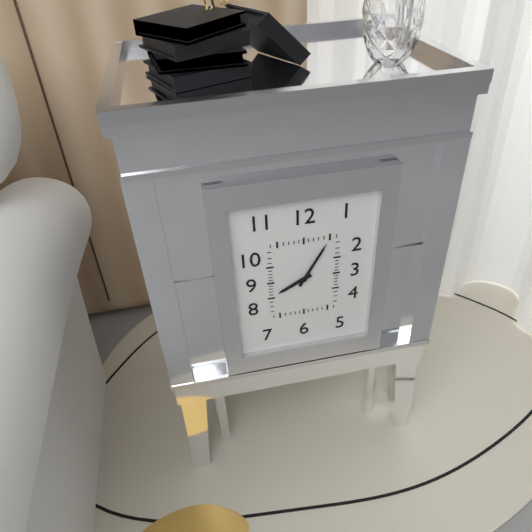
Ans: 8:05
